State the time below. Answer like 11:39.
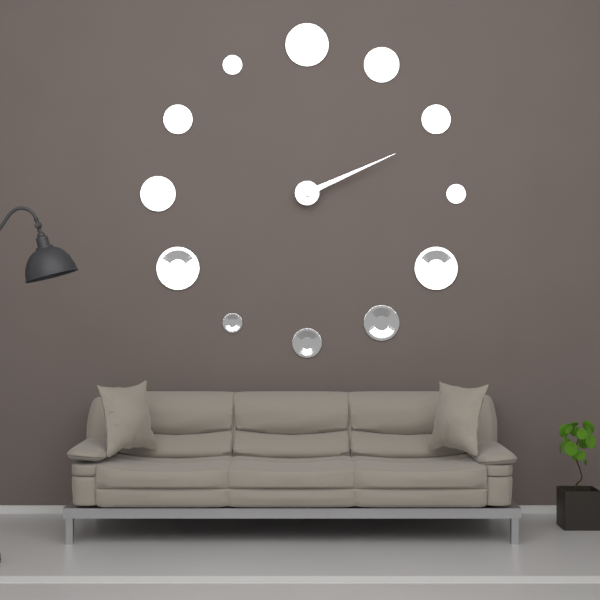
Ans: 2:11
